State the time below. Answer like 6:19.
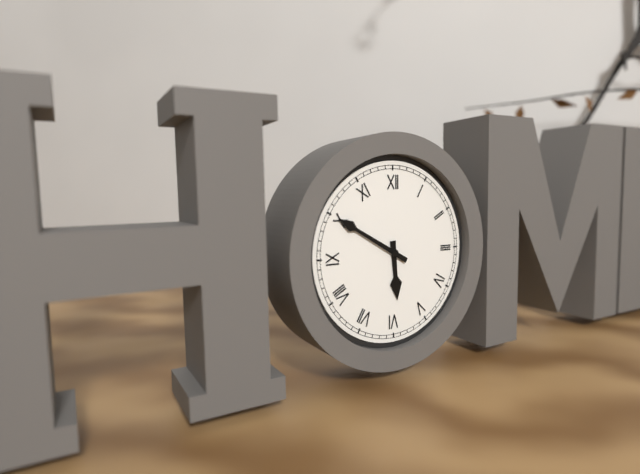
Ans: 5:50
